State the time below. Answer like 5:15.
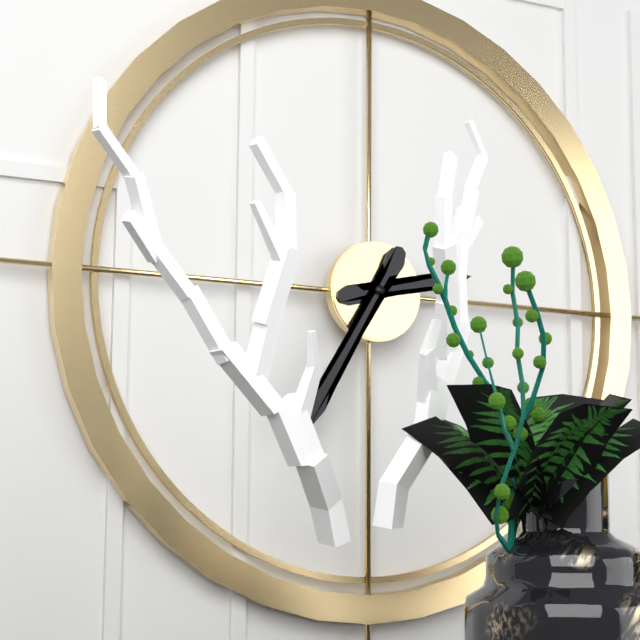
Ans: 2:35
